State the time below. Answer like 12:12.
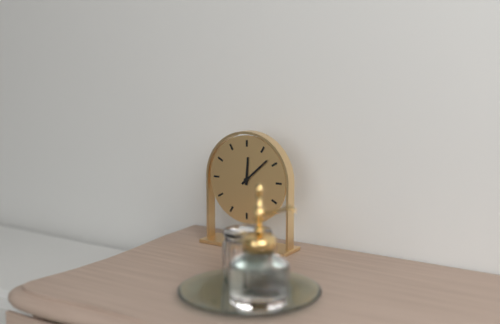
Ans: 12:08
